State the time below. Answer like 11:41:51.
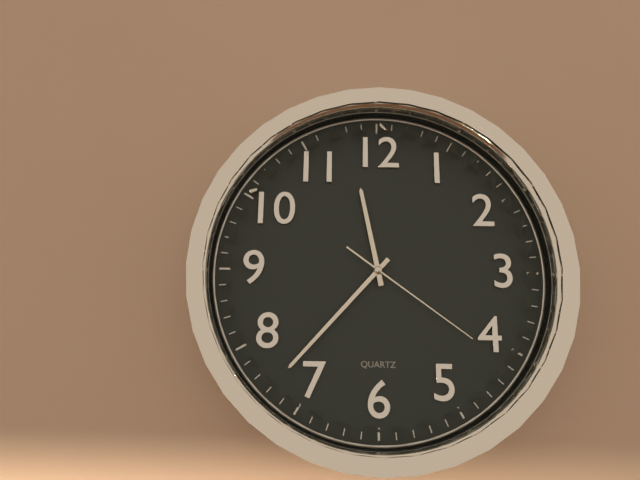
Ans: 11:37:21
